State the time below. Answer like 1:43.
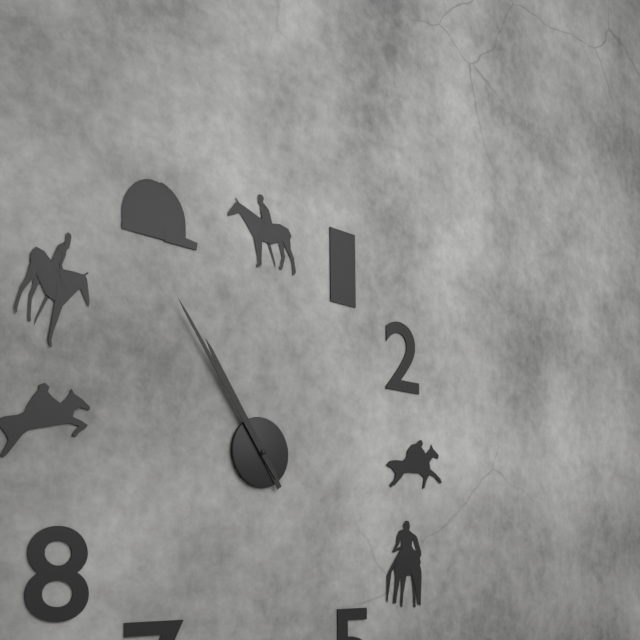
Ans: 10:54
